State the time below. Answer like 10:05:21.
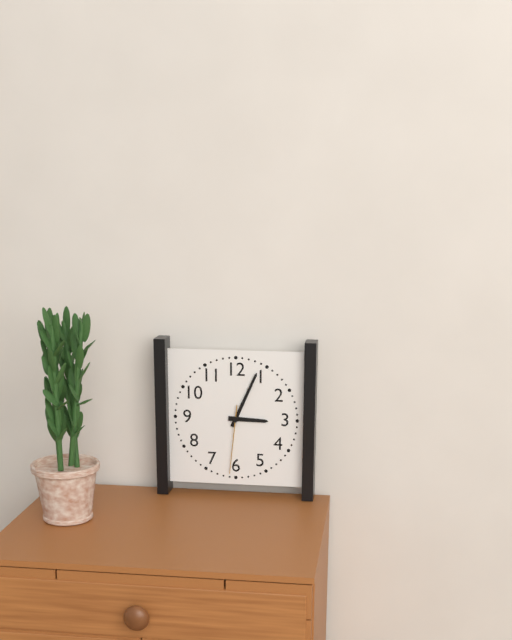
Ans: 3:04:31
